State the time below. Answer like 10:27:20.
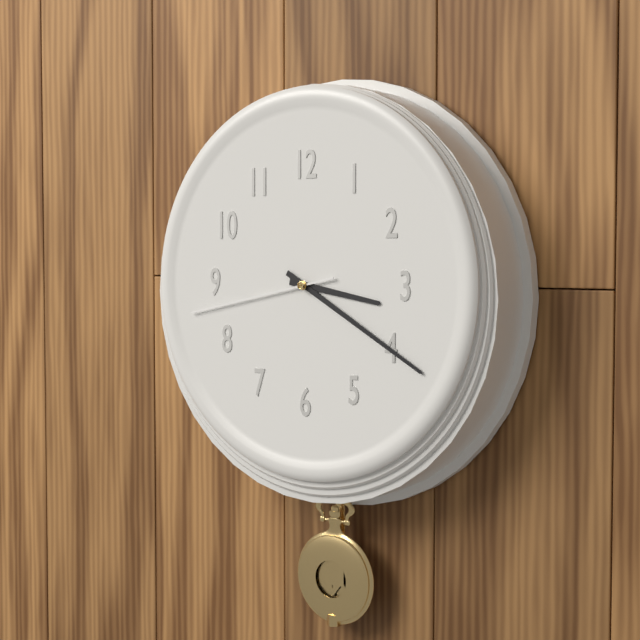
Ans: 3:20:43
